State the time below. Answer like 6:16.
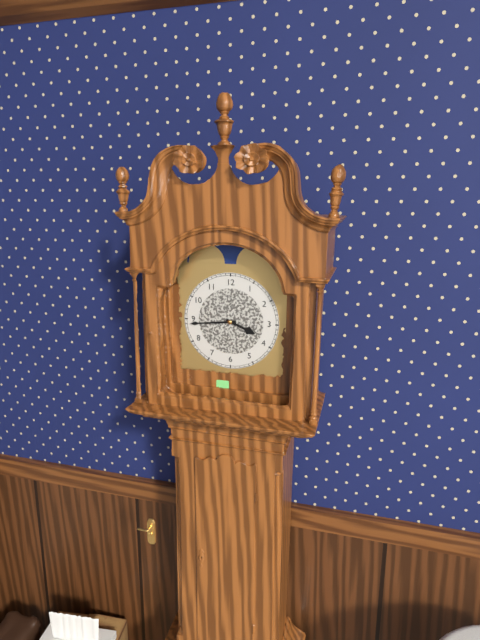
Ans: 3:44
